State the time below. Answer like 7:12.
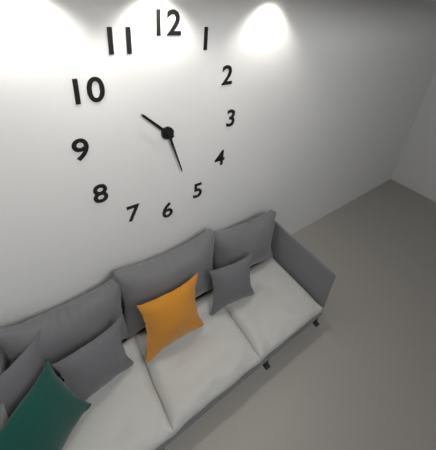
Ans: 10:27
